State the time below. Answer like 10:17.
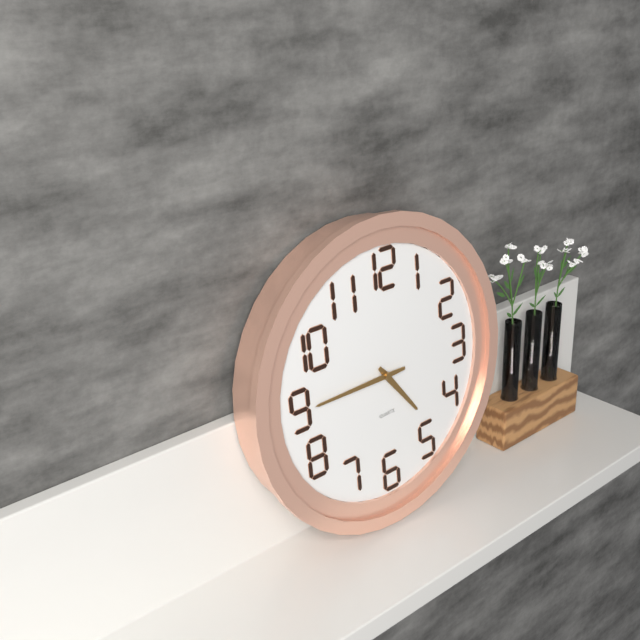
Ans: 4:45
